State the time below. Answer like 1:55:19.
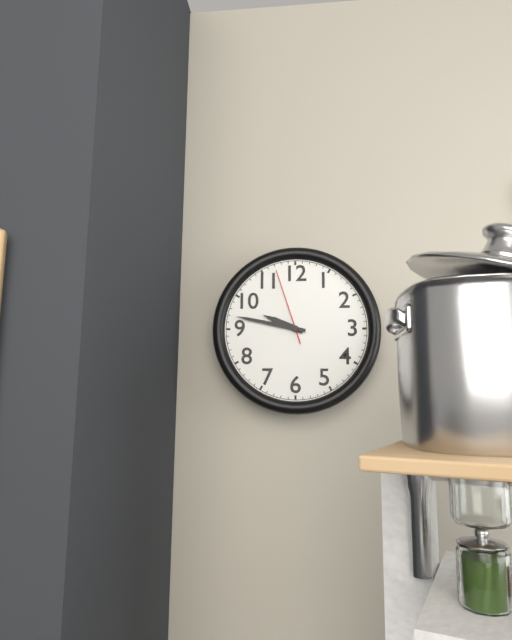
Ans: 9:47:57
